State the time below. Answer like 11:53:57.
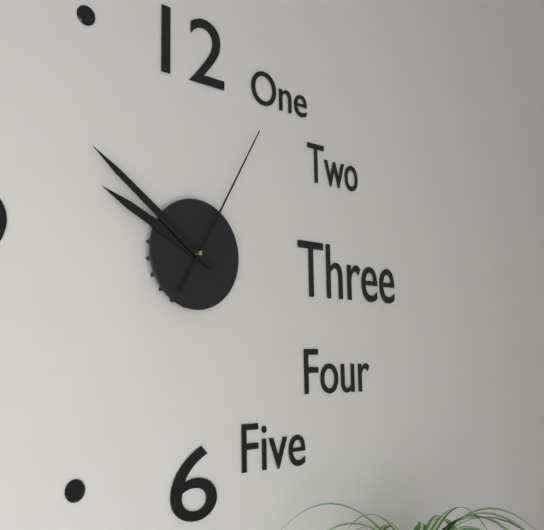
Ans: 9:51:05
